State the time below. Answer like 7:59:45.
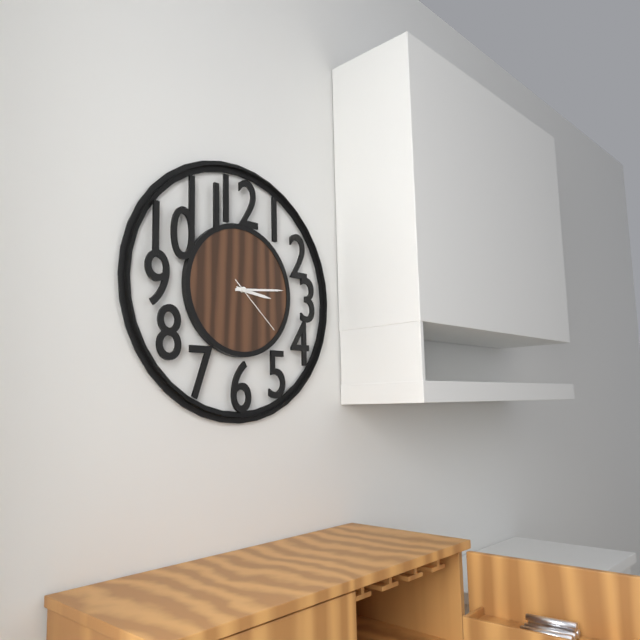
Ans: 3:14:22
